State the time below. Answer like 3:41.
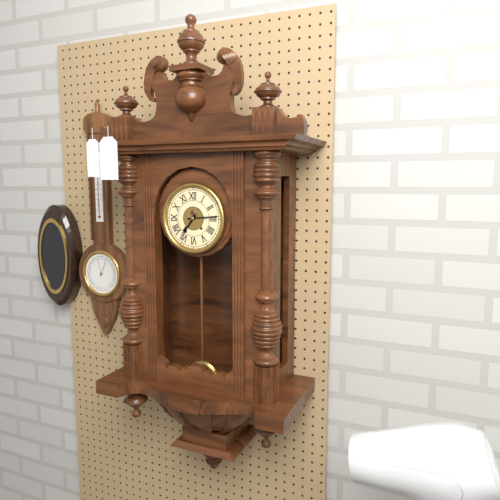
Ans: 7:14
